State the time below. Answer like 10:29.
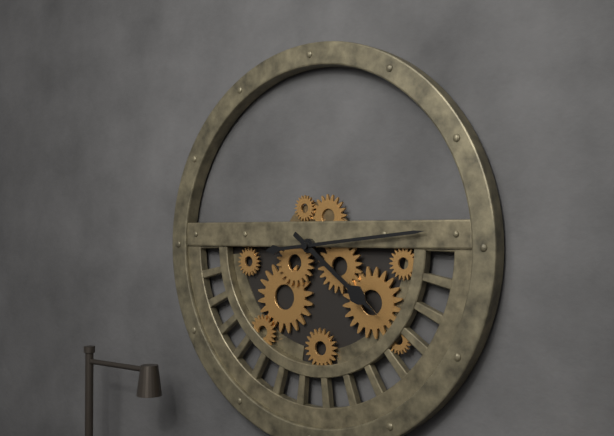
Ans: 4:14
